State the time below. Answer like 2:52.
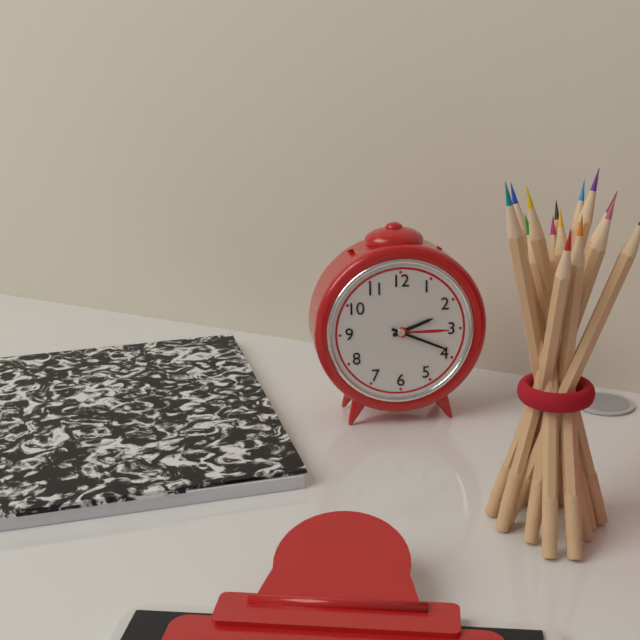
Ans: 2:19
